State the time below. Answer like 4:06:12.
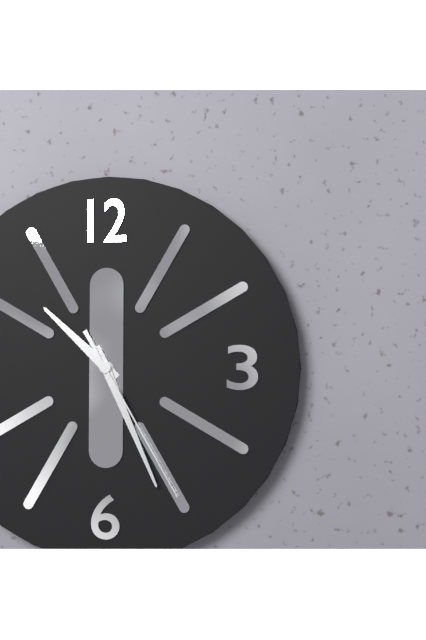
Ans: 10:26:25
